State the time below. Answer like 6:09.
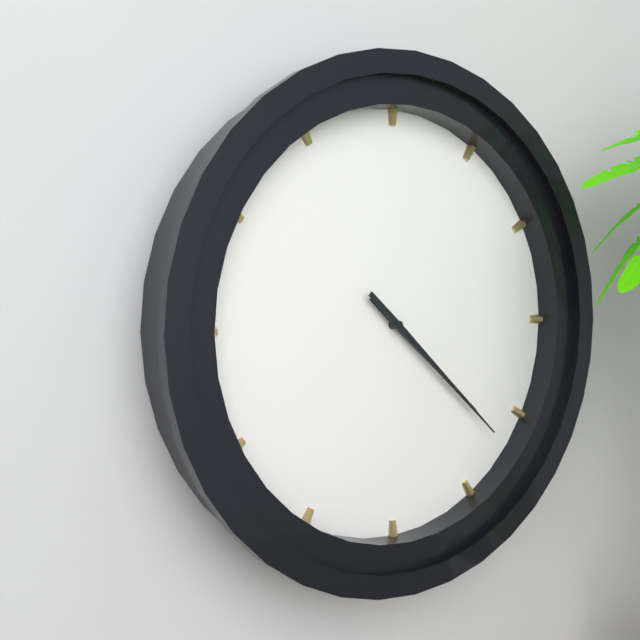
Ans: 4:22
